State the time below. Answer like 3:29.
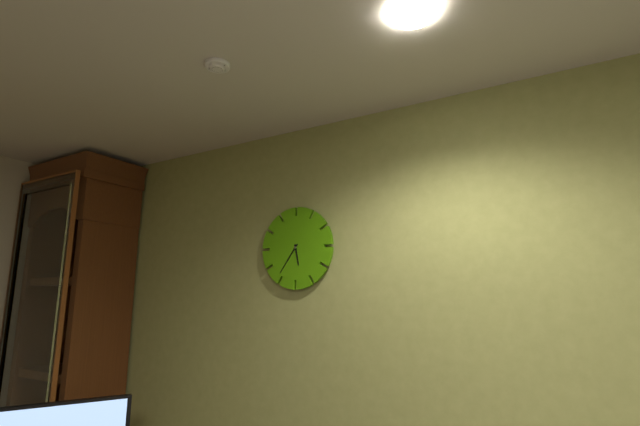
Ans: 5:36
